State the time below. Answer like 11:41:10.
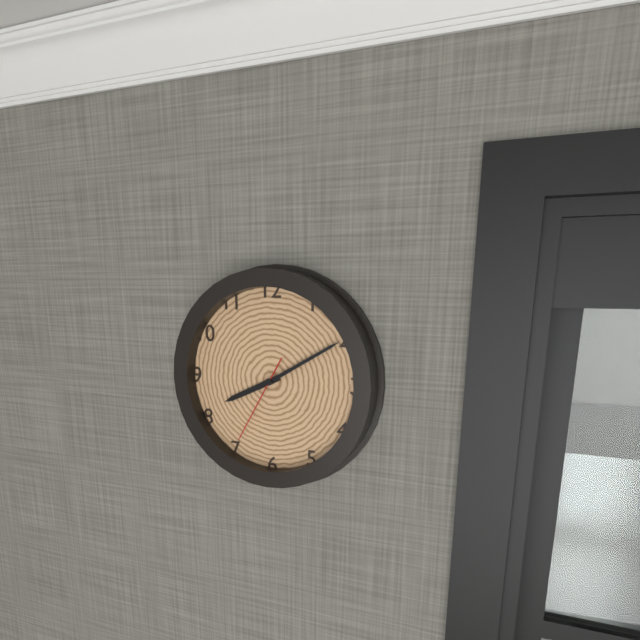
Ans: 8:10:35
